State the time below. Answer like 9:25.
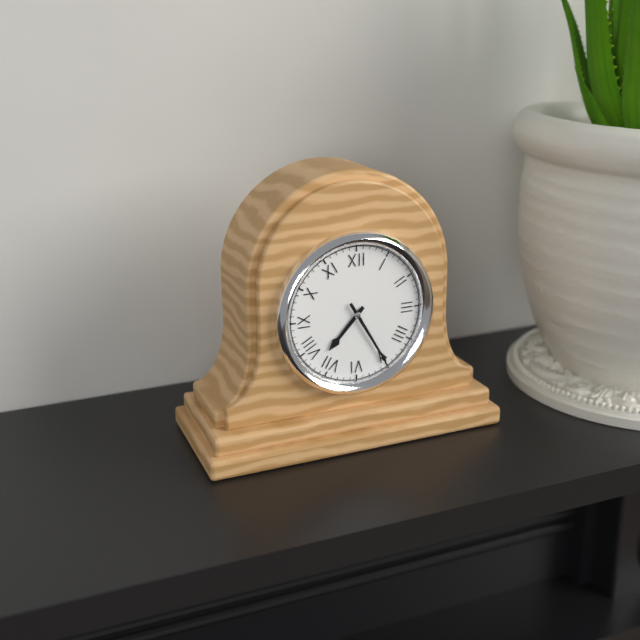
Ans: 7:25
